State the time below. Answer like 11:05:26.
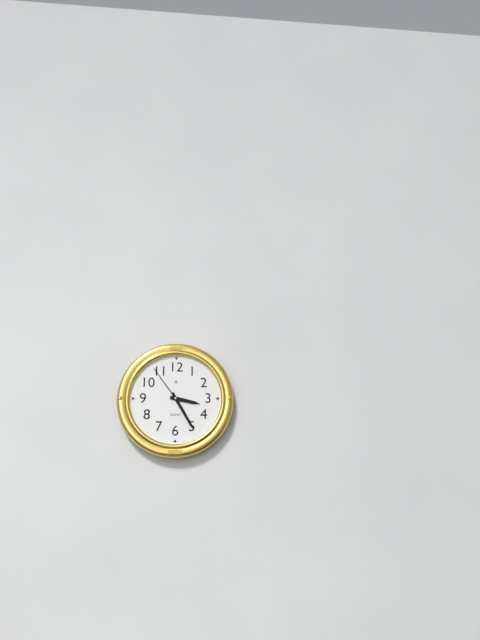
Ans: 3:25:54
